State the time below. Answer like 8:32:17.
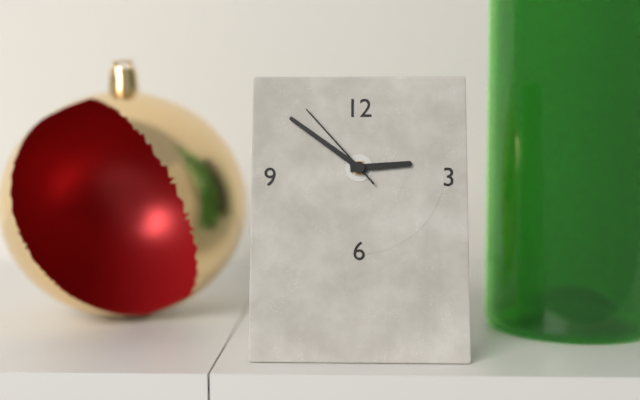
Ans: 2:51:53
